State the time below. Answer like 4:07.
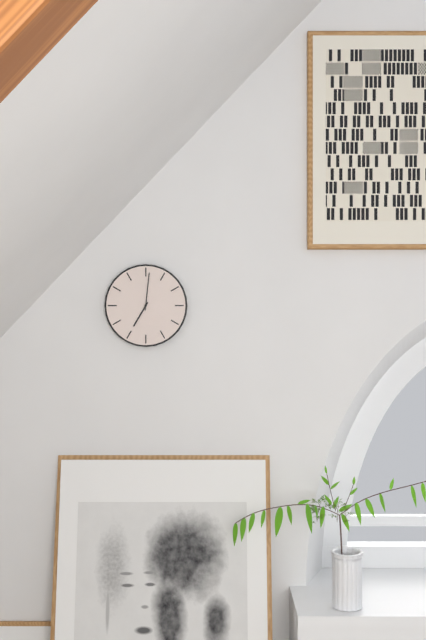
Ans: 7:01
